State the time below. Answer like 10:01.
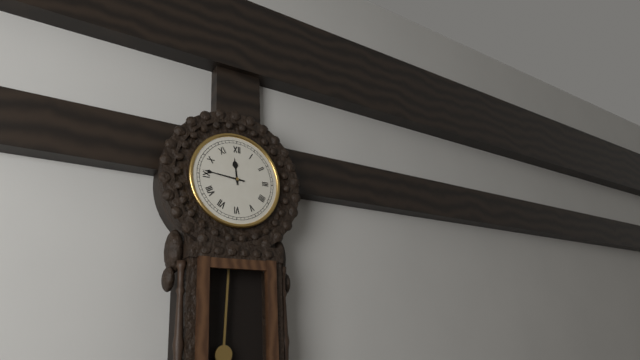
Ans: 11:46
